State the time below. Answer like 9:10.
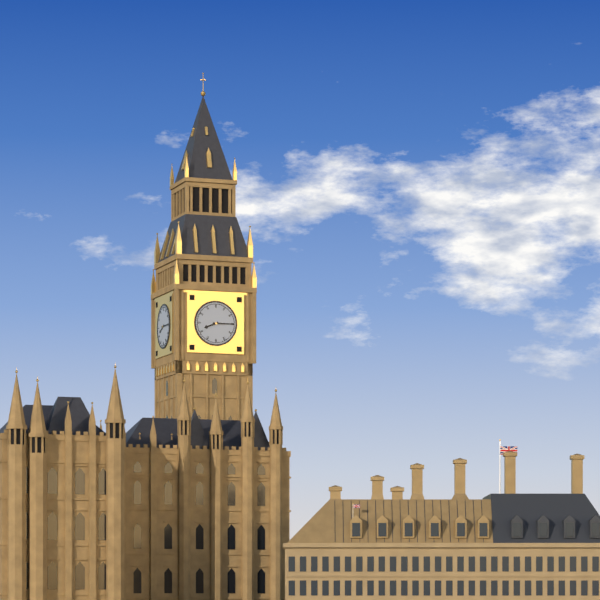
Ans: 8:15
